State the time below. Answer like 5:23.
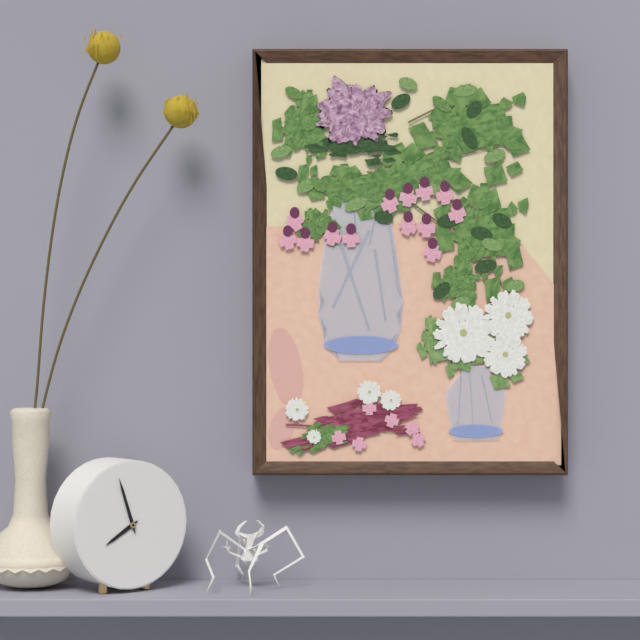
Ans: 7:57
